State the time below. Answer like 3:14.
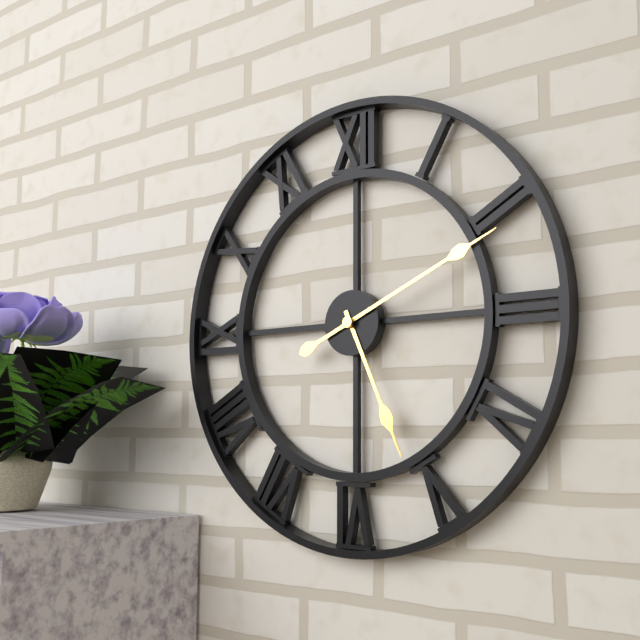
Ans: 5:11
